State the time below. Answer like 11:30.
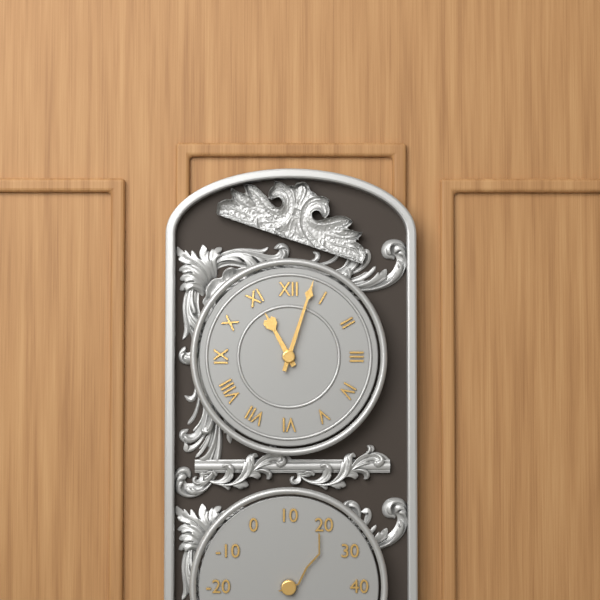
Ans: 11:03
